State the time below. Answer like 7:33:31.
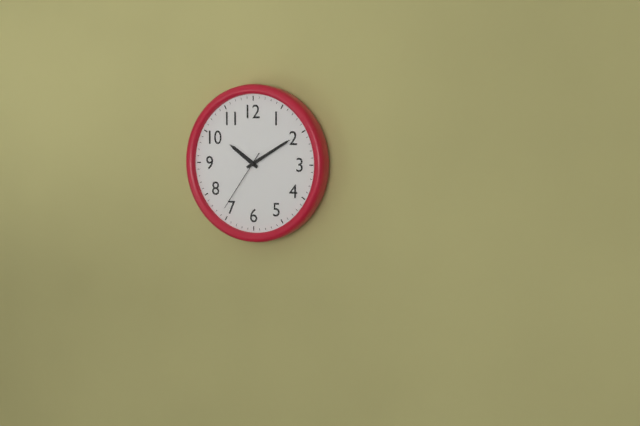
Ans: 10:10:36
